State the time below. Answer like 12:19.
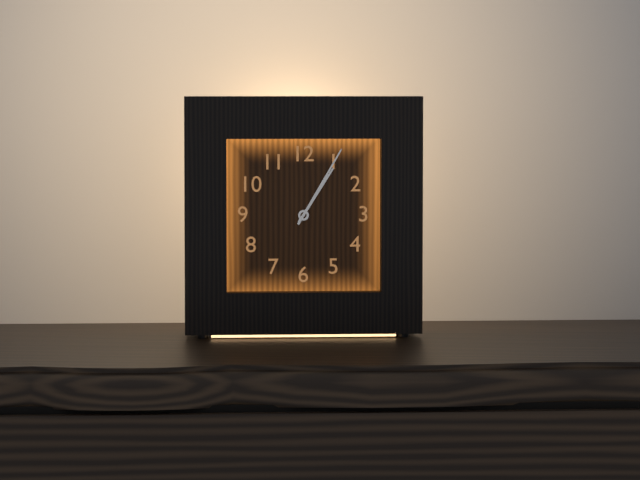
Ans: 1:05
